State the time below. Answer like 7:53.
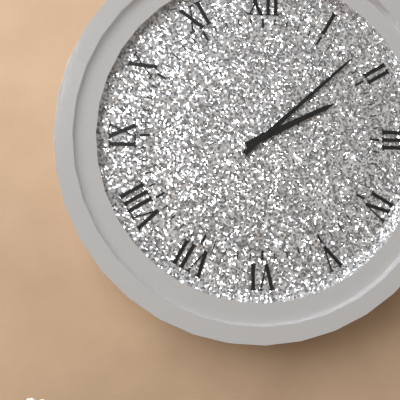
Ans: 2:08
